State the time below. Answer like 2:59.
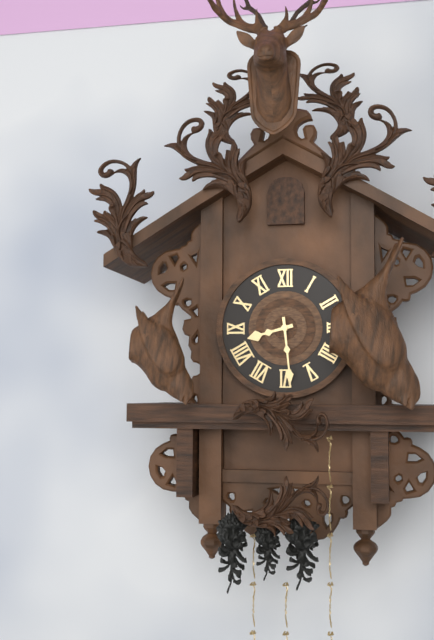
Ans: 8:29
